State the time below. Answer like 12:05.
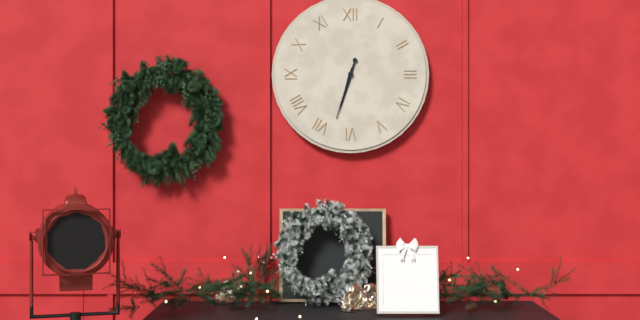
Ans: 6:33
